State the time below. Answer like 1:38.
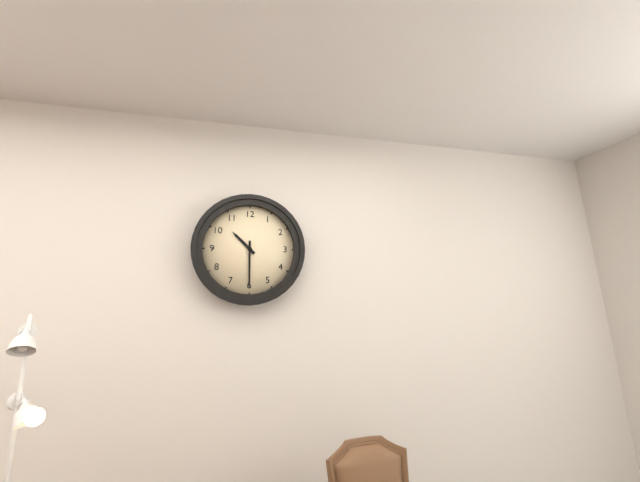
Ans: 10:30
